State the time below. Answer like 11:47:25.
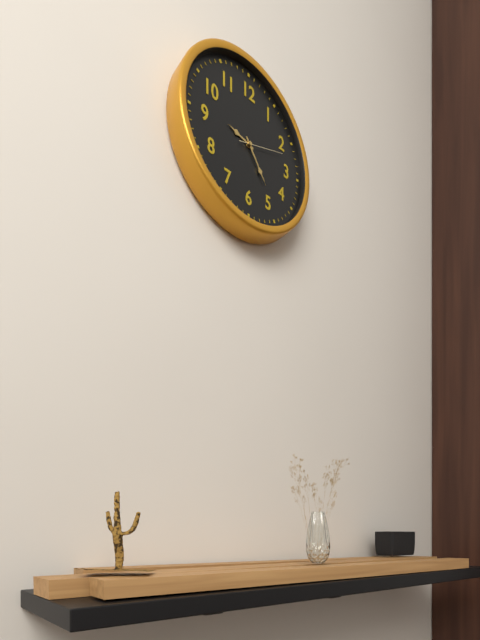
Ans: 9:24:12
